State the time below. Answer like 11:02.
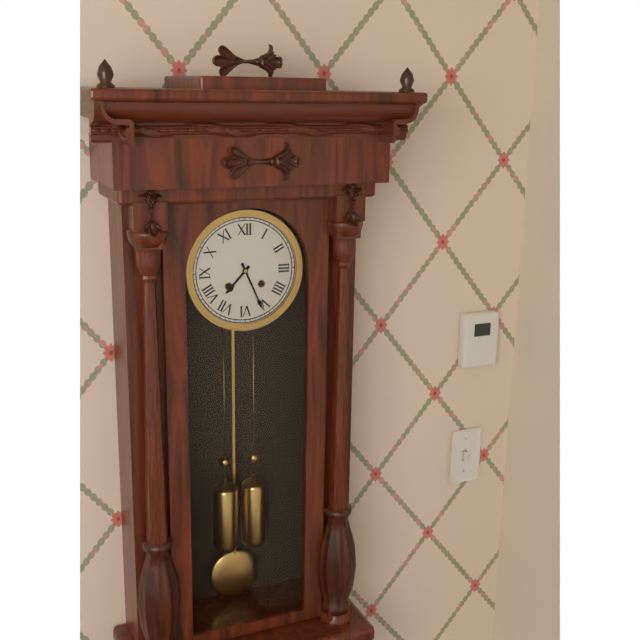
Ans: 7:26
